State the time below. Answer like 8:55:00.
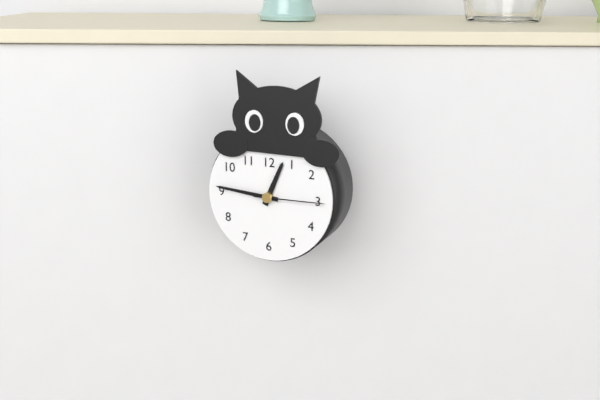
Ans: 12:46:15
